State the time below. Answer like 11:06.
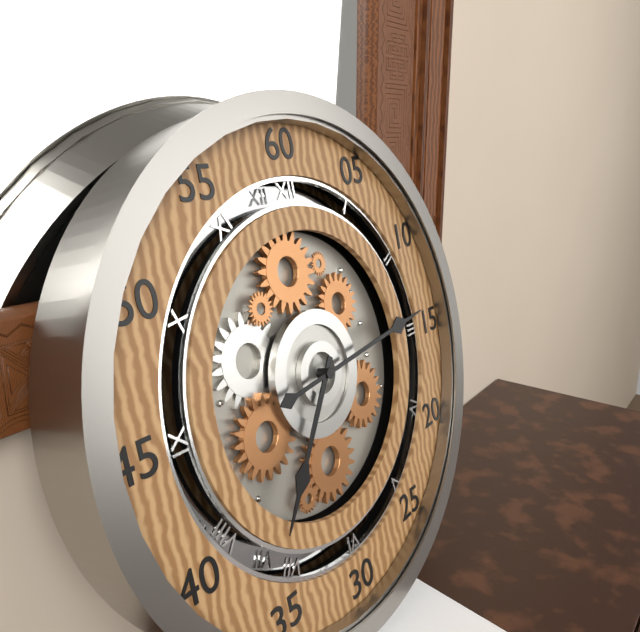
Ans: 7:14
